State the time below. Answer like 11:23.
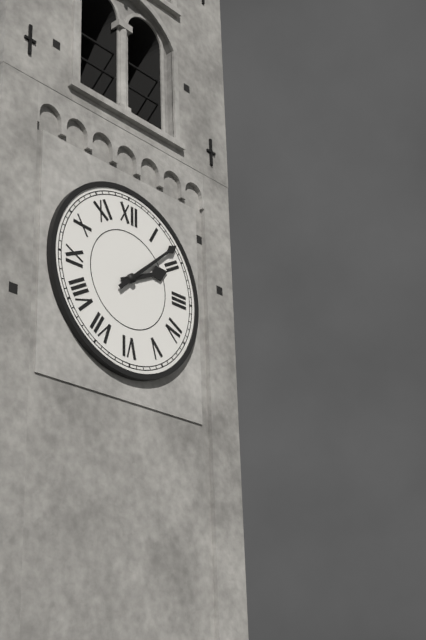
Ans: 2:08
